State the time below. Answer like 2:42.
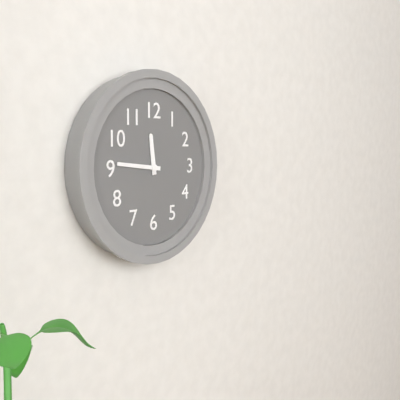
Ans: 11:46
